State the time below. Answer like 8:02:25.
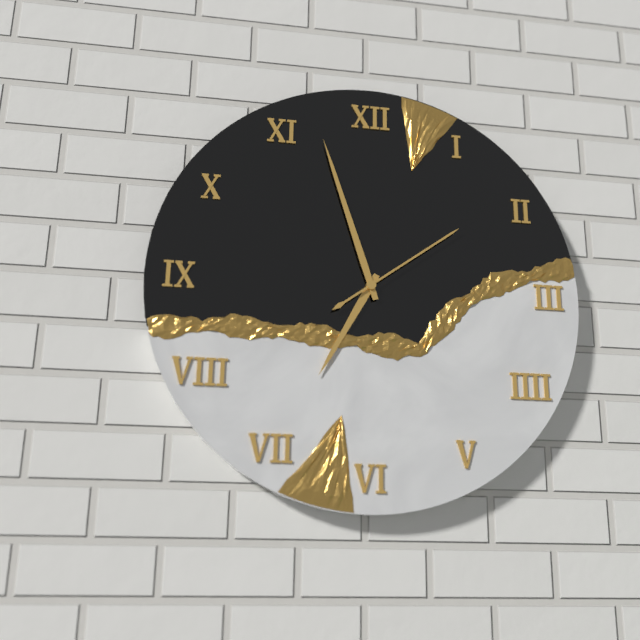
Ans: 6:57:09
